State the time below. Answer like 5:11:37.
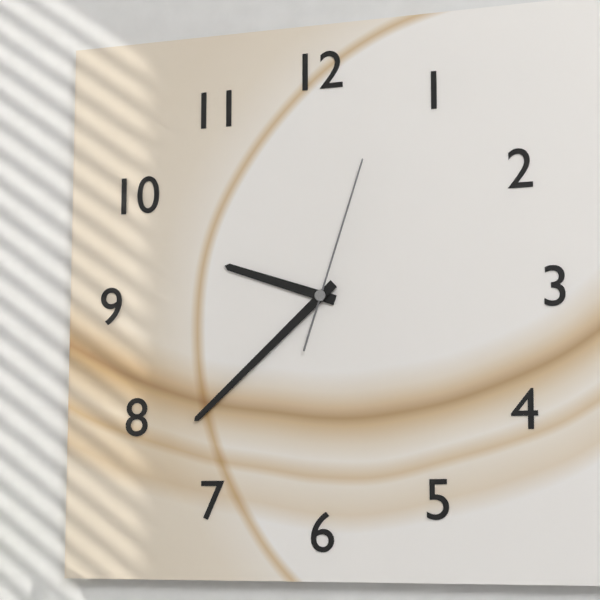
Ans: 9:38:03
